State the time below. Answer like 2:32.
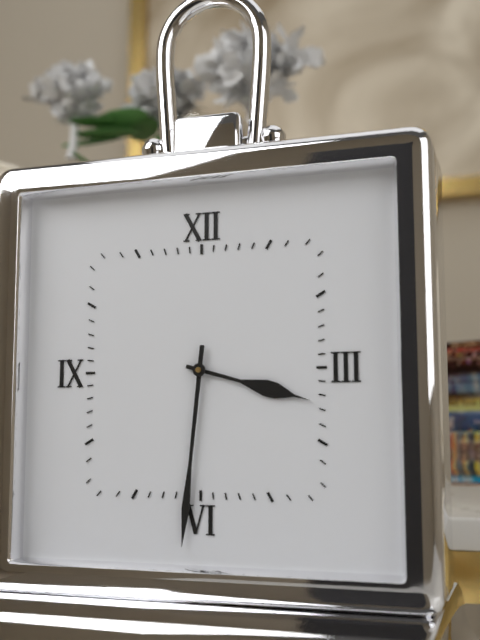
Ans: 3:31
